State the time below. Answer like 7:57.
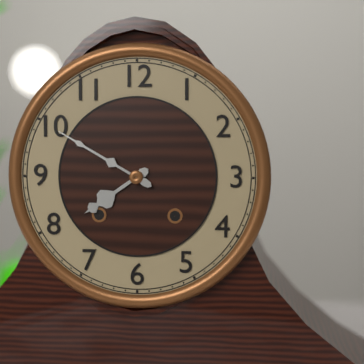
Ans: 7:50
